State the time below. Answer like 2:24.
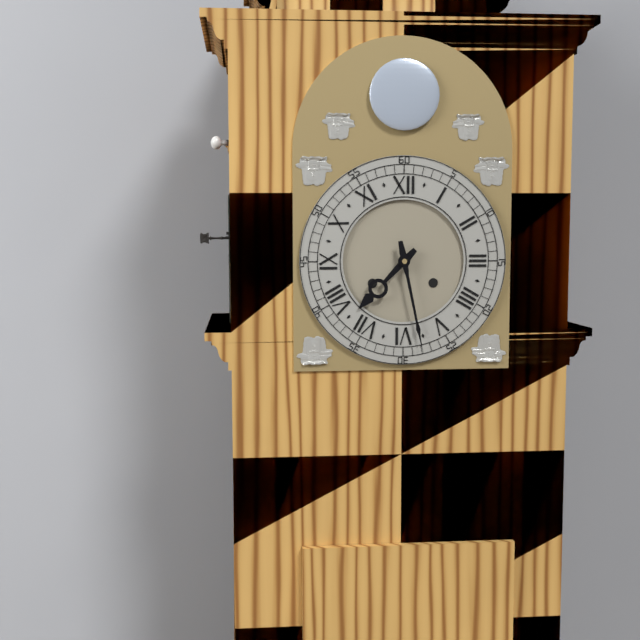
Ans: 7:28
